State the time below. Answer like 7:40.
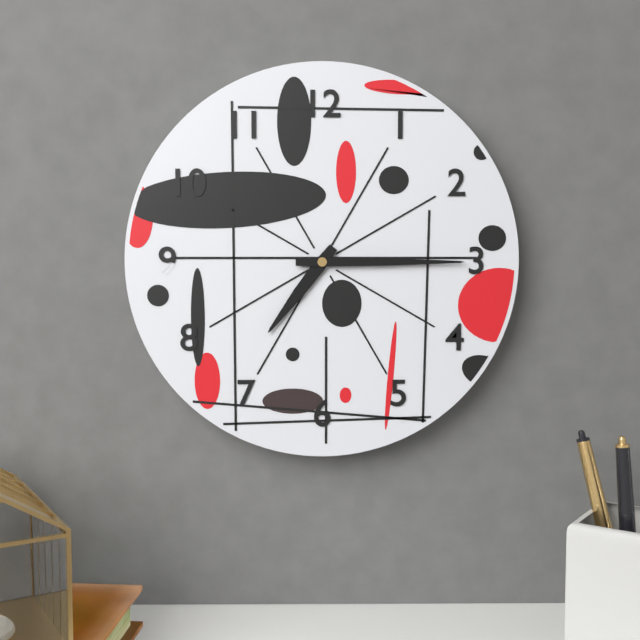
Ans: 7:15
